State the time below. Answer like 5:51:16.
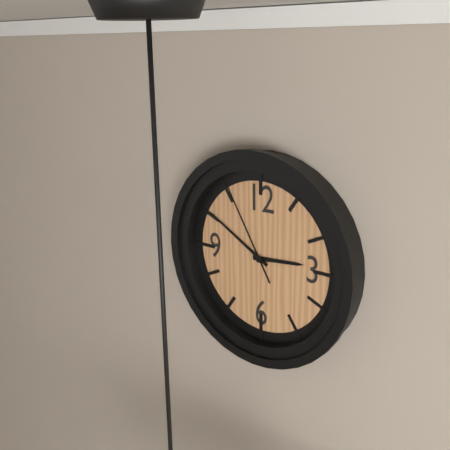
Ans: 2:50:55
